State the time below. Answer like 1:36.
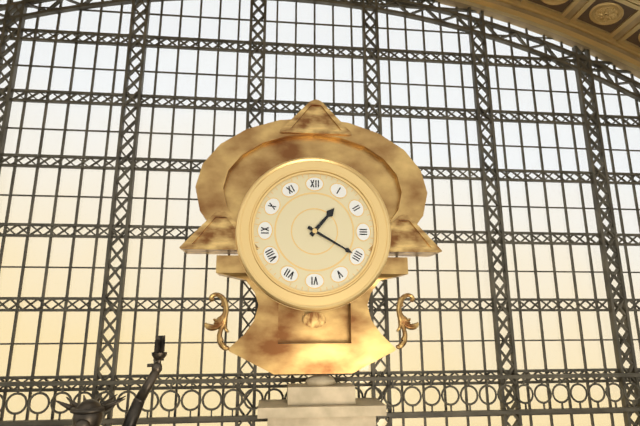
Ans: 1:20
